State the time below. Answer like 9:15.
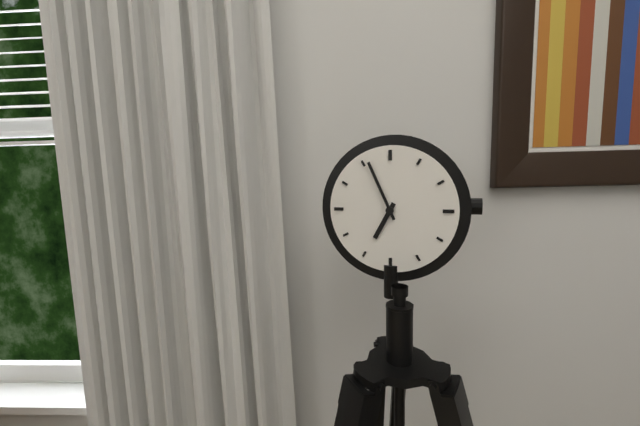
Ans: 6:56
